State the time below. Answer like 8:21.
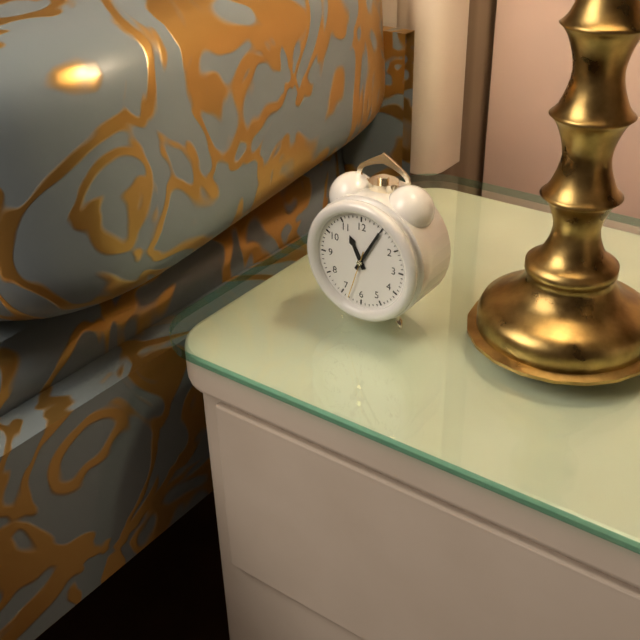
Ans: 11:05
